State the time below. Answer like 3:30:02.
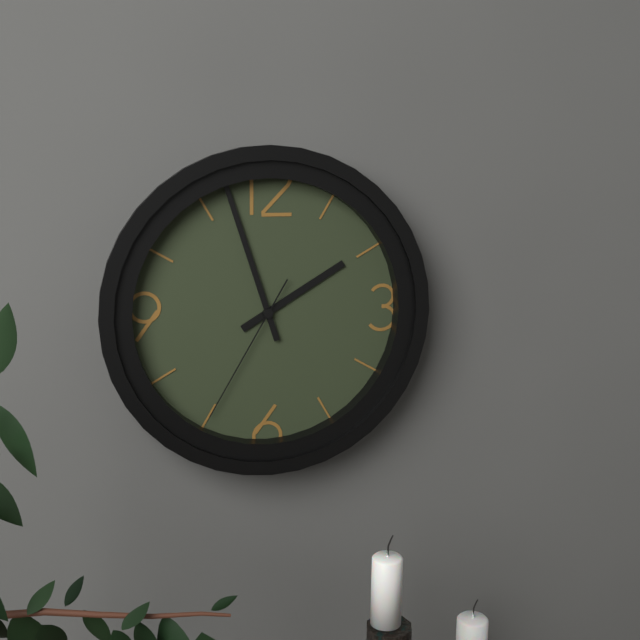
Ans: 1:57:35
